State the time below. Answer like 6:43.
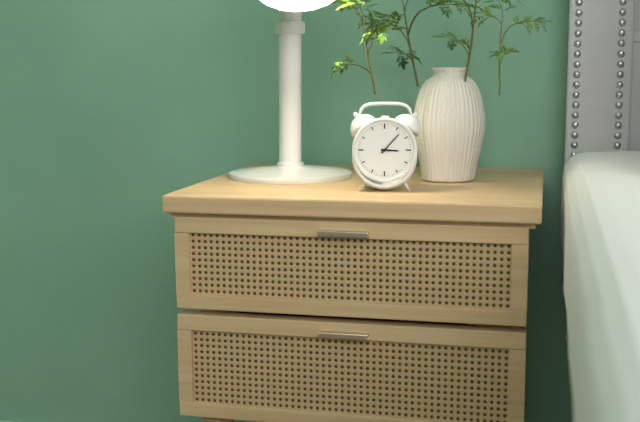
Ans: 3:07
